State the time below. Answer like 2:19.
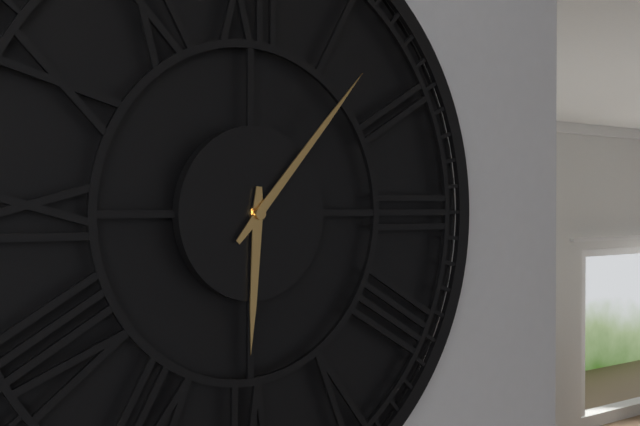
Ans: 6:07
